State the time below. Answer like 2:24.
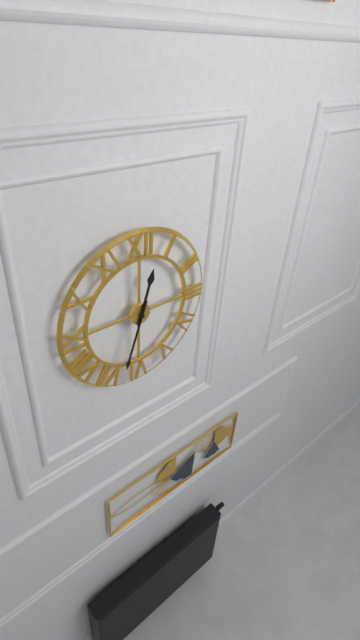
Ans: 12:33
